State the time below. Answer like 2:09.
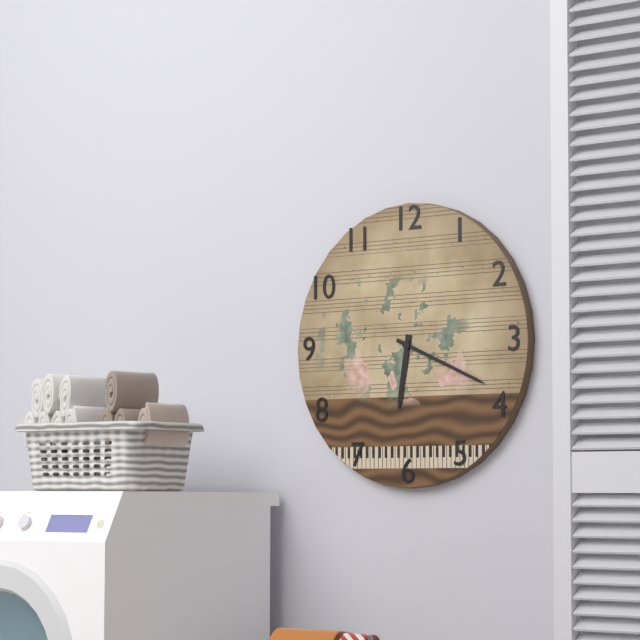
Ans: 6:19
